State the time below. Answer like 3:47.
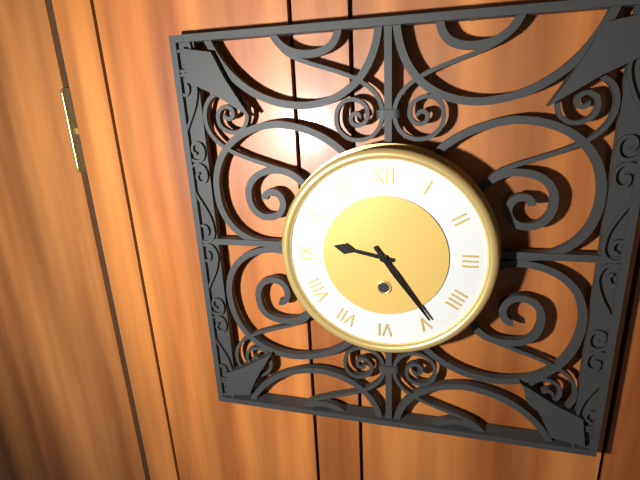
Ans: 9:24
